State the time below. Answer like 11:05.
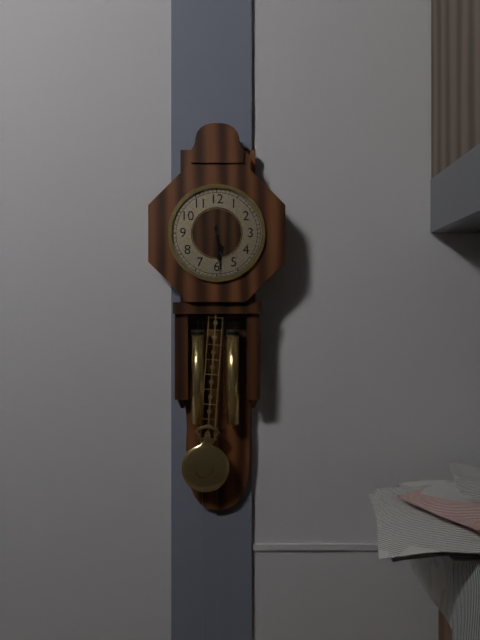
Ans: 5:29
